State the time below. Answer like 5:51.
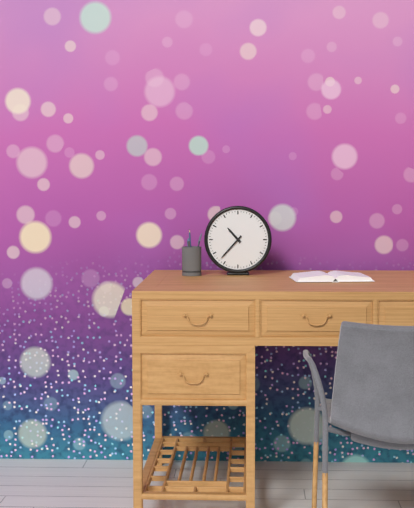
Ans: 10:37
